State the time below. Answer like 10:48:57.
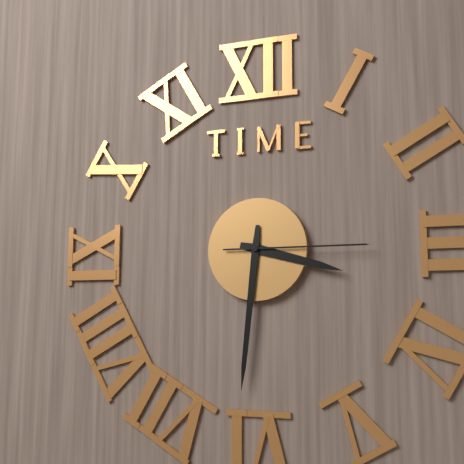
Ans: 3:31:15
